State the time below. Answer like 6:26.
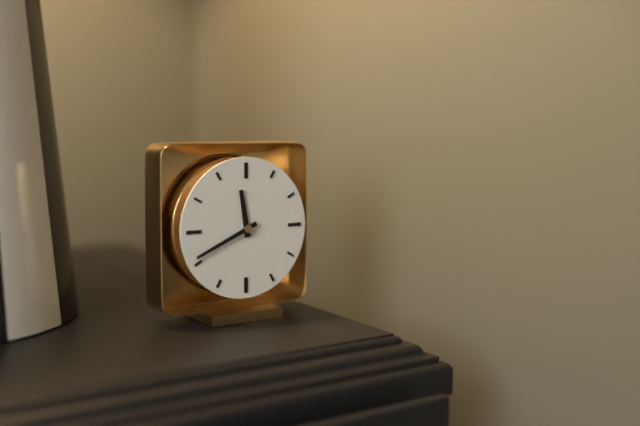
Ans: 11:41
